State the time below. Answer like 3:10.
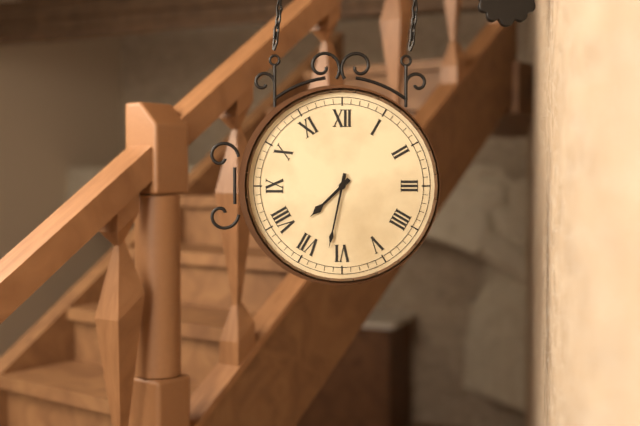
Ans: 7:32
